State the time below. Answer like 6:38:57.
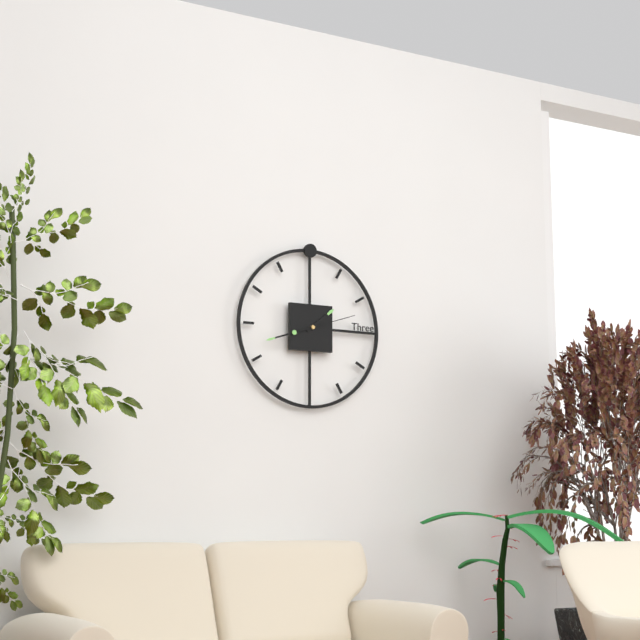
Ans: 1:42:12
